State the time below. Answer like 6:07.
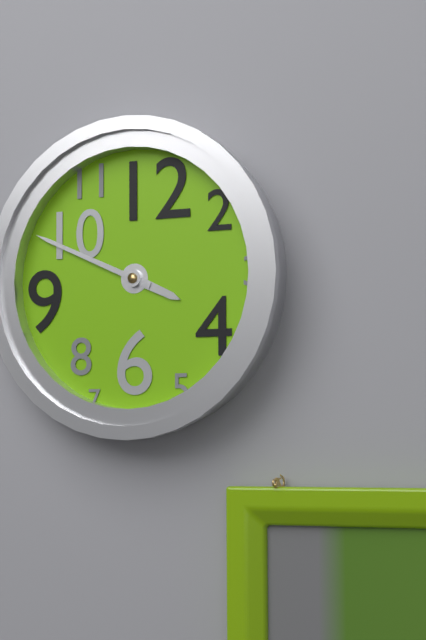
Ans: 3:49
